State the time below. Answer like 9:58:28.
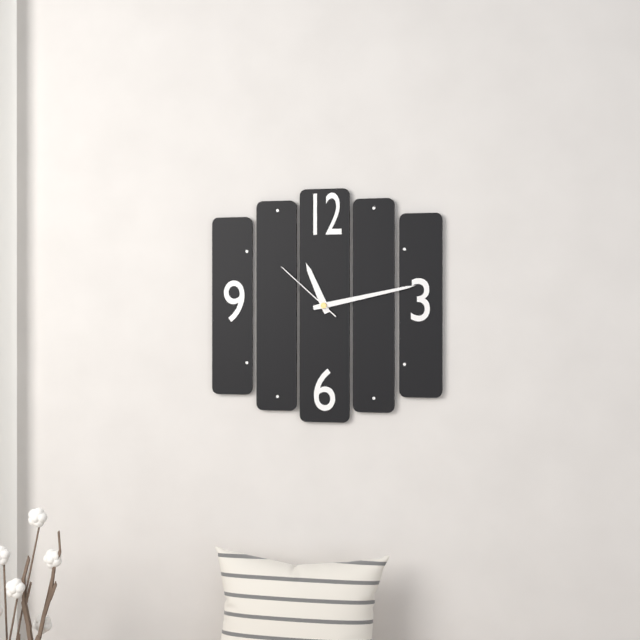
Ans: 11:13:52
